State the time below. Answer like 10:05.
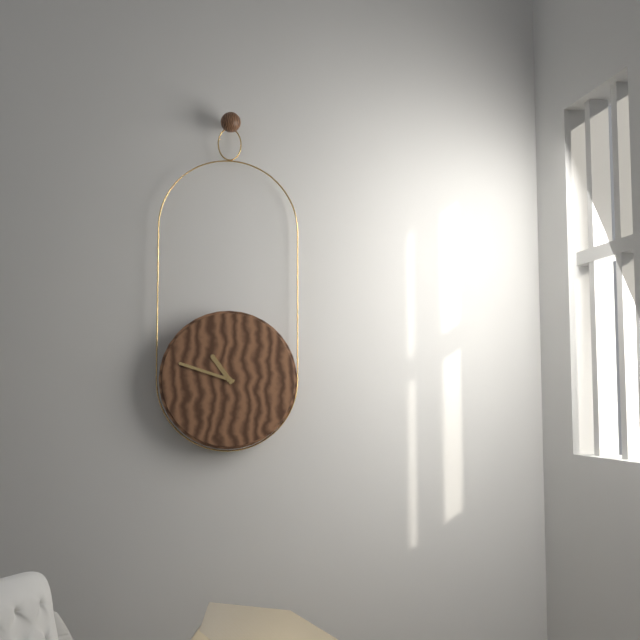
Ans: 10:48
